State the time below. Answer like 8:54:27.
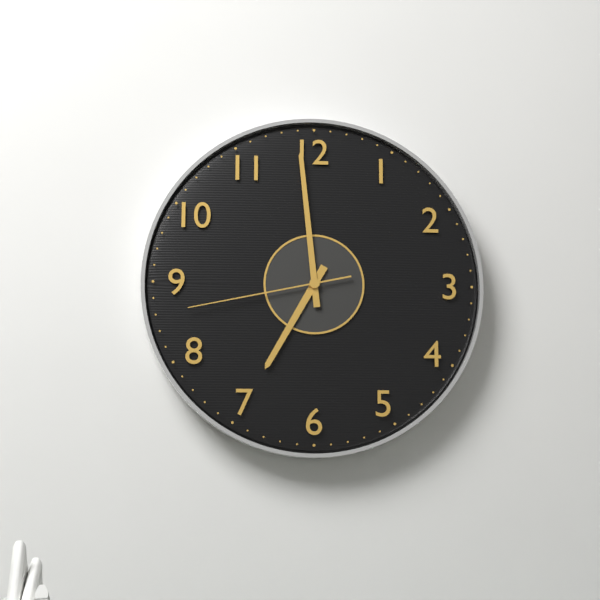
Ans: 6:59:43
